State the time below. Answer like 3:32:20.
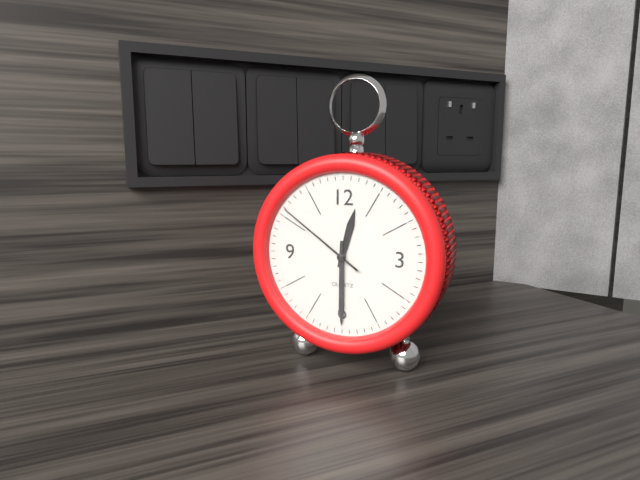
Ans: 12:30:51
